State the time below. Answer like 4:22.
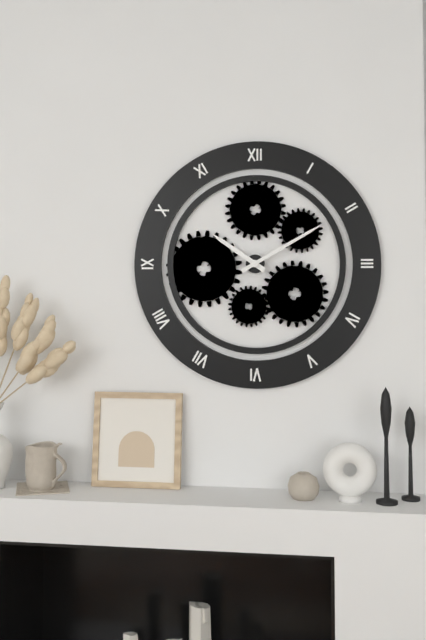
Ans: 10:10
